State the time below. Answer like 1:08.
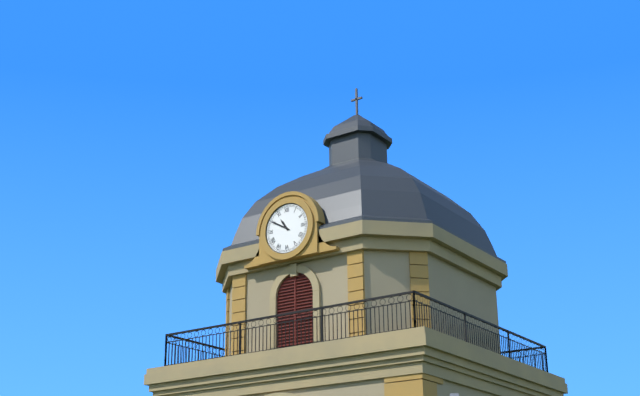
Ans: 10:50
